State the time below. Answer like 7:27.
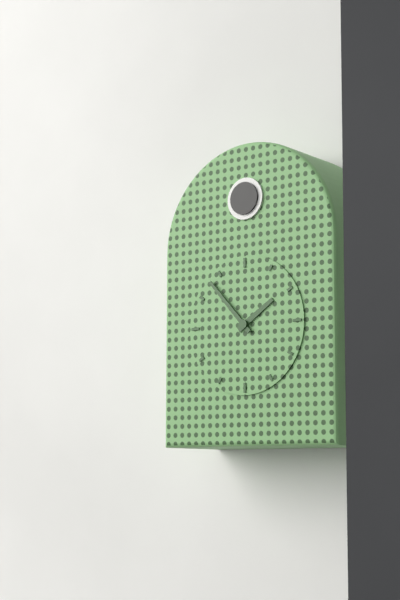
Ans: 1:53
